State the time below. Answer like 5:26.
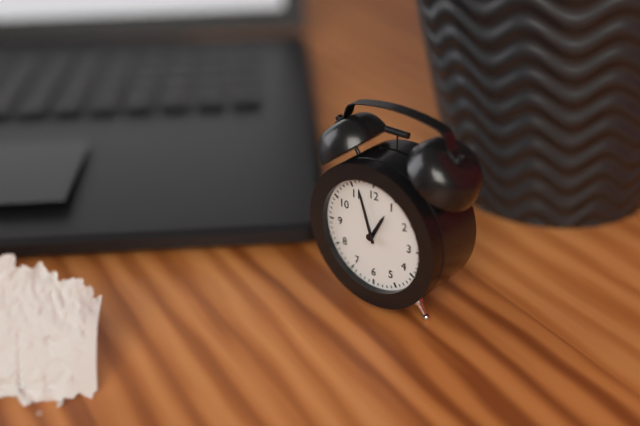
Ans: 12:57
